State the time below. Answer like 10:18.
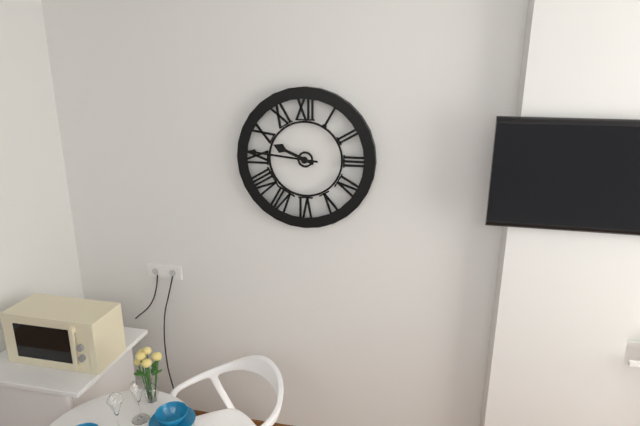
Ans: 9:46
